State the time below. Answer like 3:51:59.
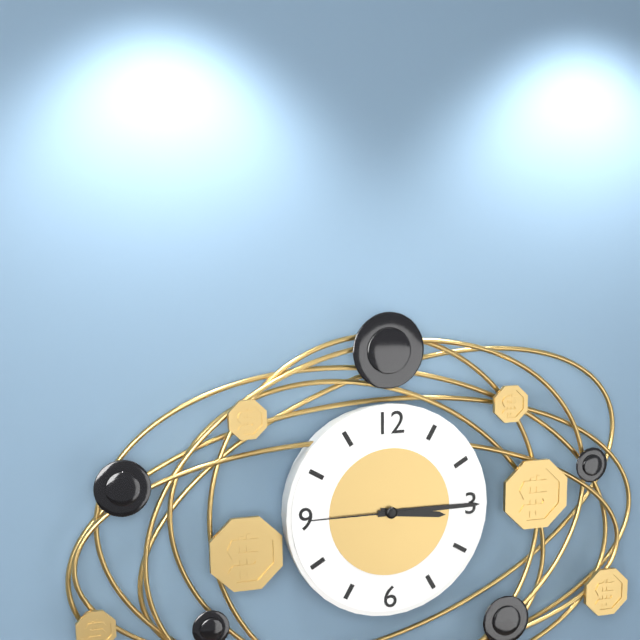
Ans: 3:15:45
